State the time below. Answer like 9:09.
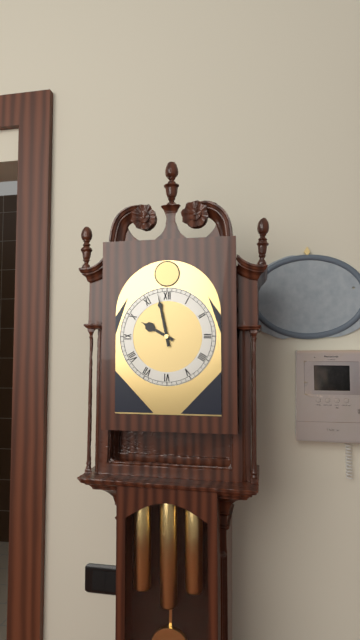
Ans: 9:58
